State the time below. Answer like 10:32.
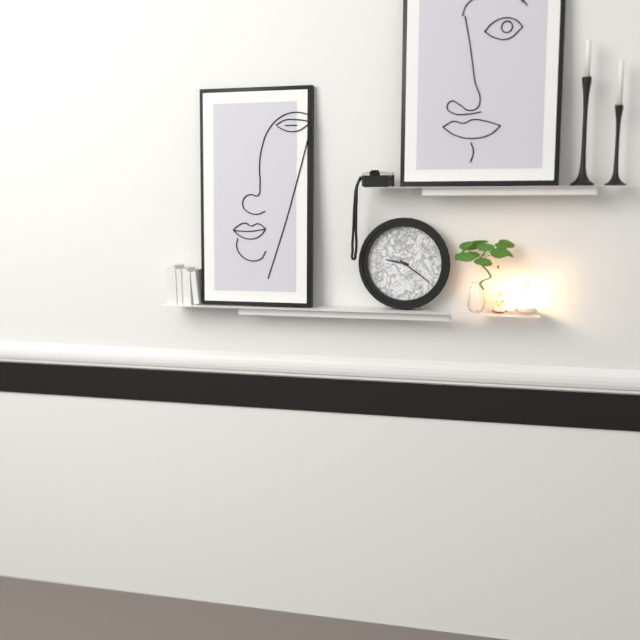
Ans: 9:21
